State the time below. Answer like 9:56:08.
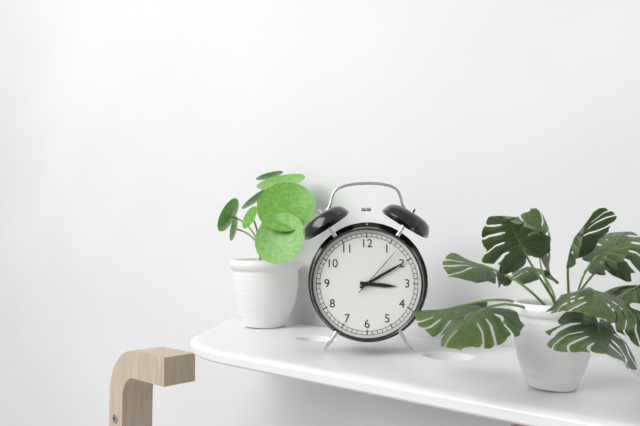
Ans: 3:10:07
